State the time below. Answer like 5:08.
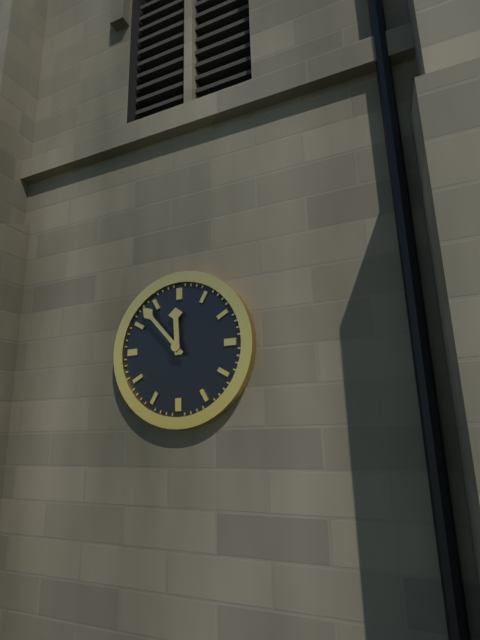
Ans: 11:53
